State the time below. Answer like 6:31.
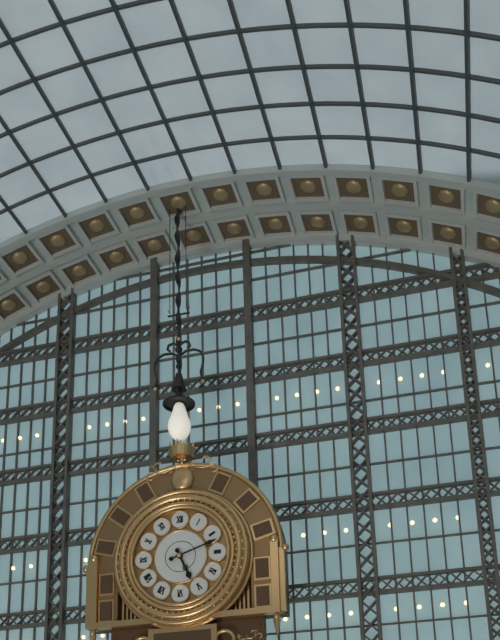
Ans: 5:12
